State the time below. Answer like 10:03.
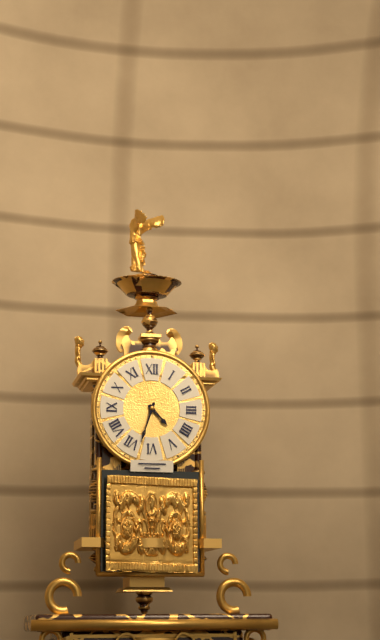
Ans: 4:33
